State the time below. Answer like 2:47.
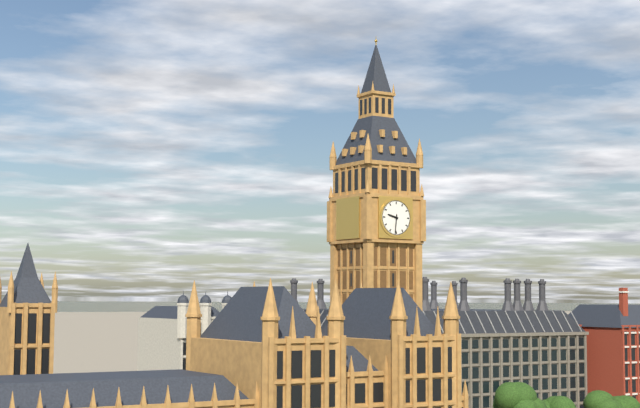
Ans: 9:31
